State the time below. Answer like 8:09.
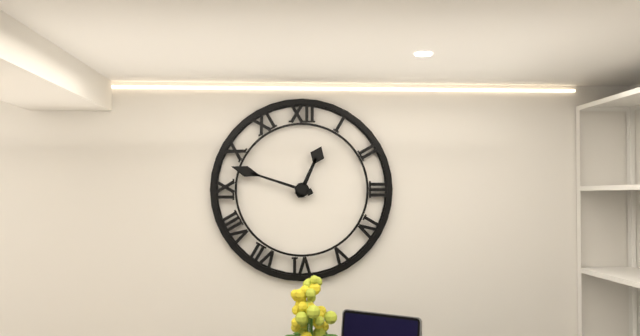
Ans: 12:48
